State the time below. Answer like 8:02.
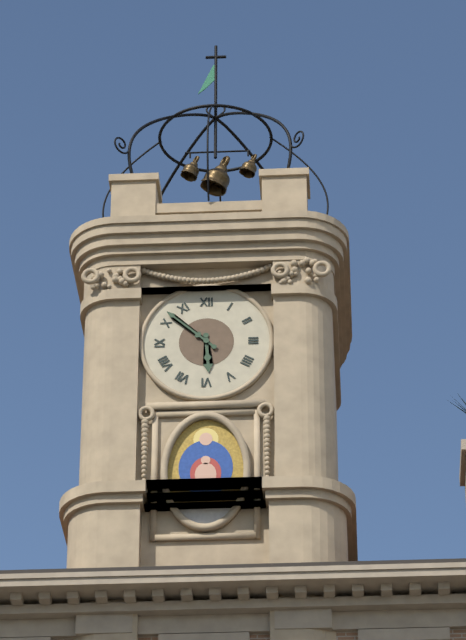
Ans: 5:52
